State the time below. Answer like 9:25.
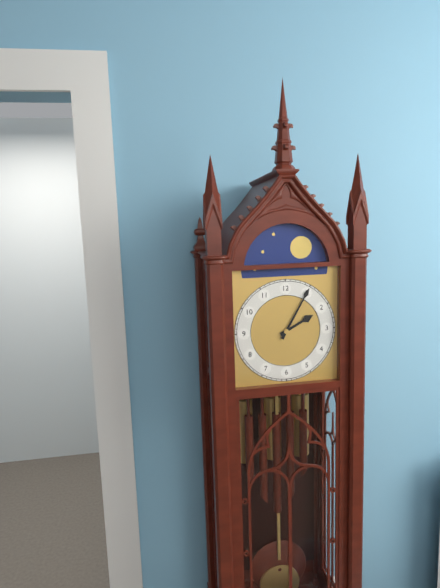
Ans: 2:05
